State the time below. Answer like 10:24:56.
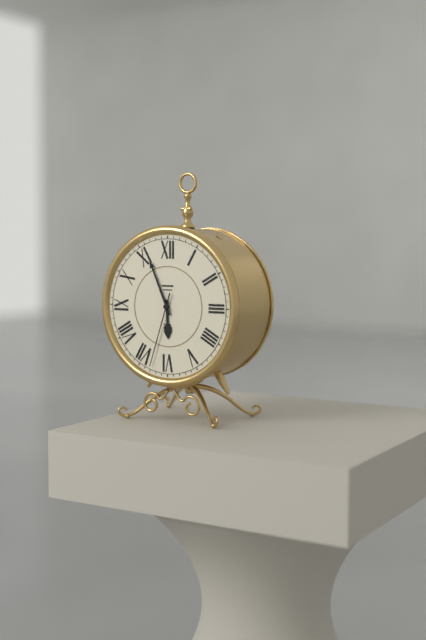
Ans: 5:56:33
